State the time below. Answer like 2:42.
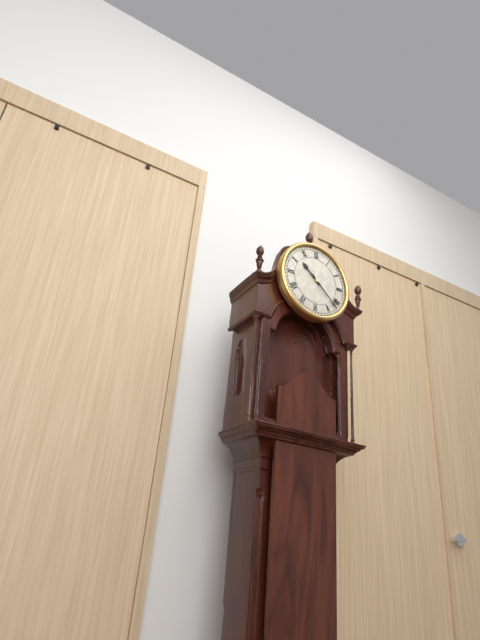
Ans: 10:22
